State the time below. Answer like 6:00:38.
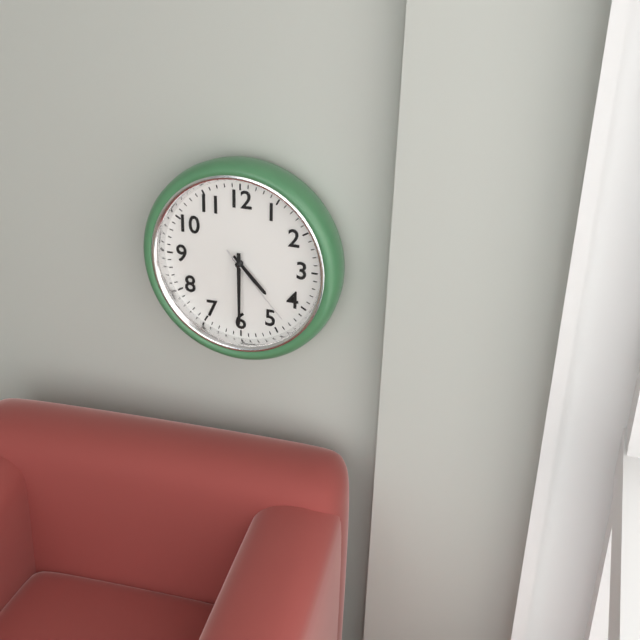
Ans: 4:30:23
